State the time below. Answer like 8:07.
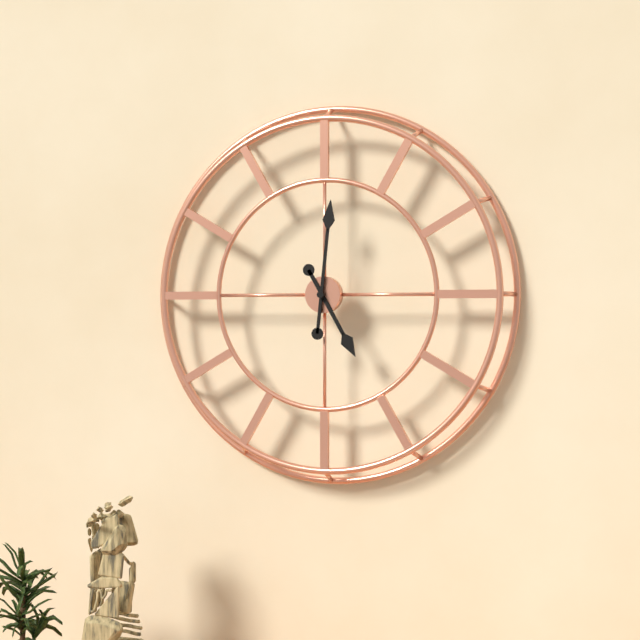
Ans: 5:01
